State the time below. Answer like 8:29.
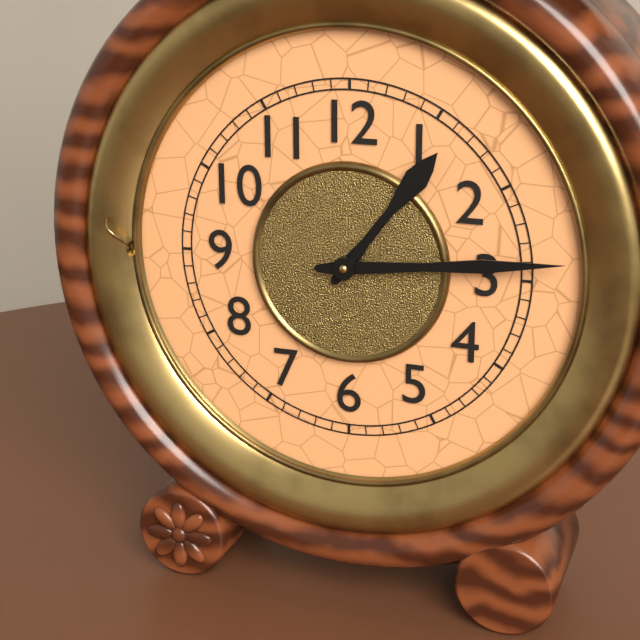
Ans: 1:14
